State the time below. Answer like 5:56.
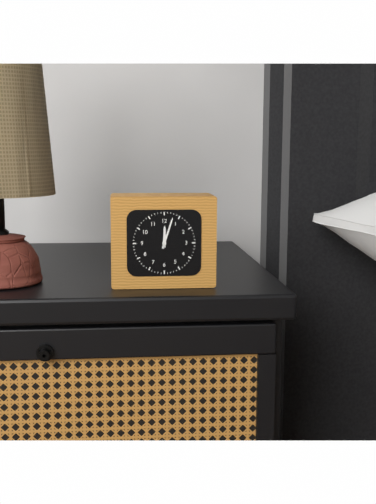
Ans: 12:03
